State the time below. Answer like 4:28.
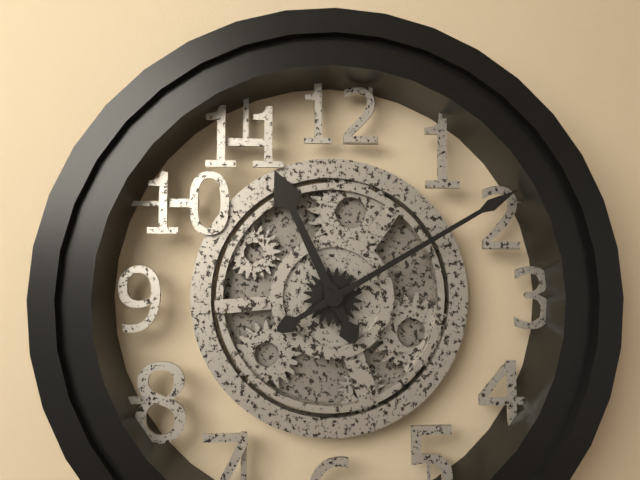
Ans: 11:10
